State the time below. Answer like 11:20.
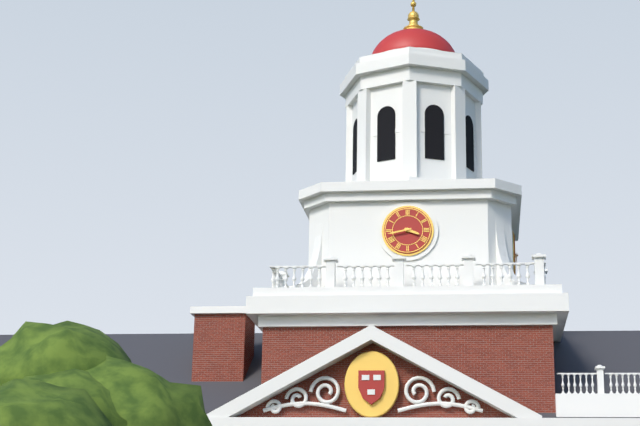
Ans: 3:43
